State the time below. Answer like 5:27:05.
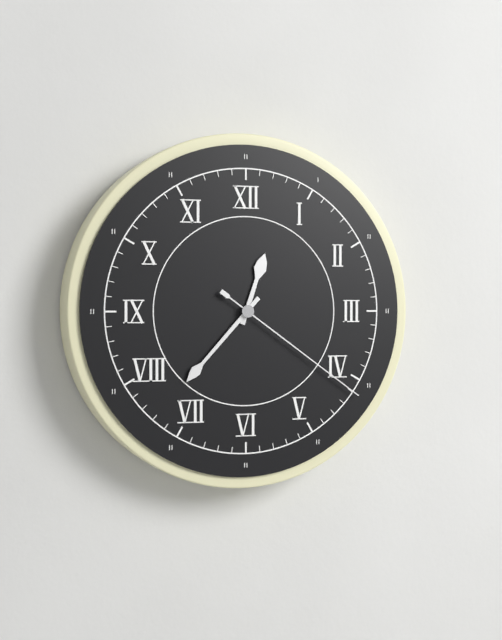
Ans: 12:37:21
